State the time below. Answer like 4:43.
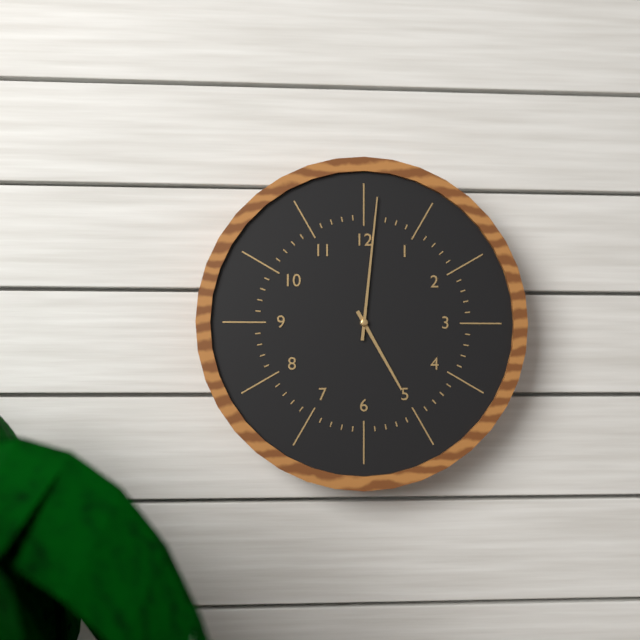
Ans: 5:01
